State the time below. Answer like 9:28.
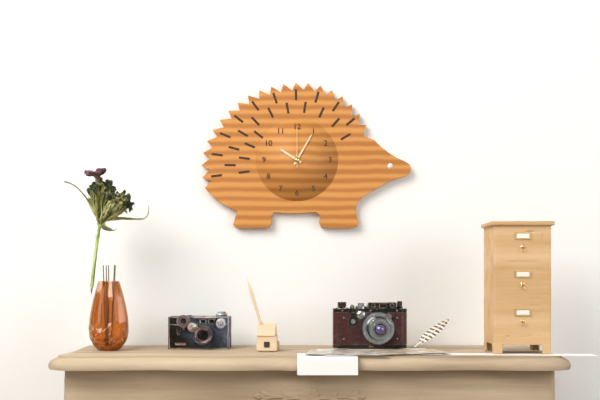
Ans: 10:05
